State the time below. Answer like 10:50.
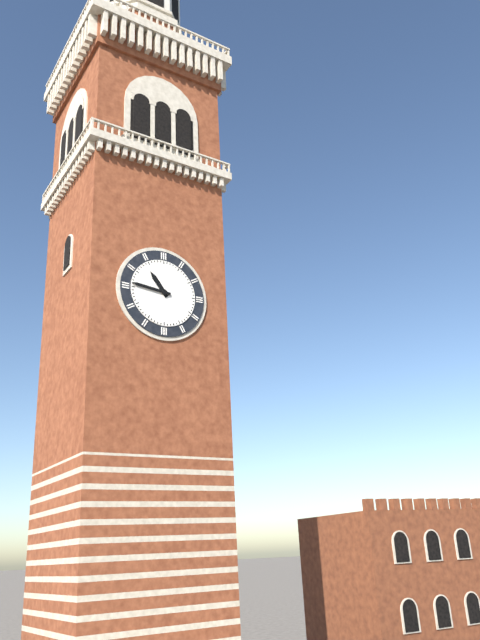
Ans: 10:46
